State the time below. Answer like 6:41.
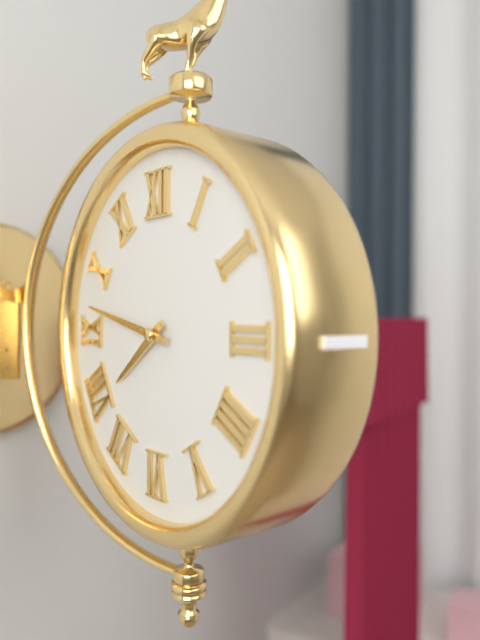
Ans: 7:47
